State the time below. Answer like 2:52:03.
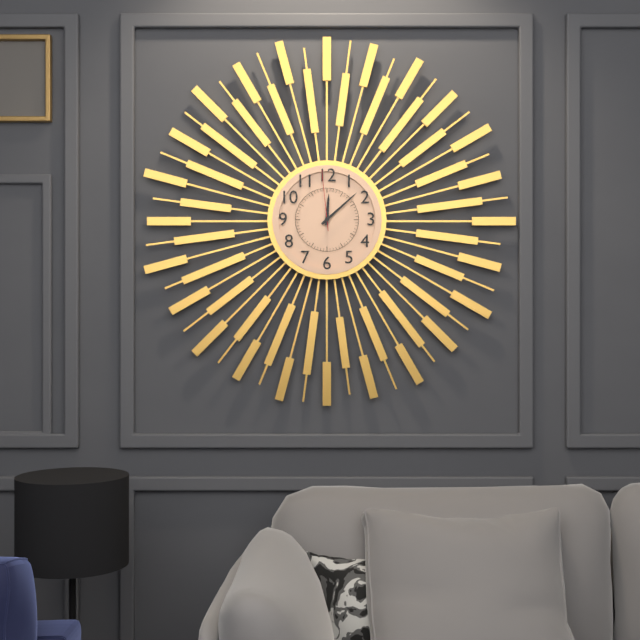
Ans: 12:08:59
